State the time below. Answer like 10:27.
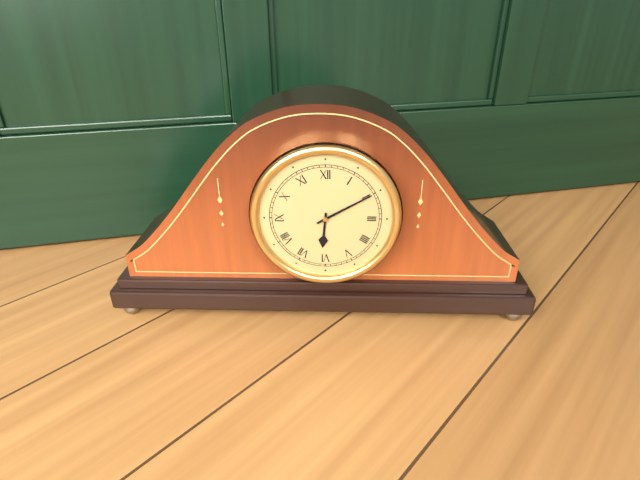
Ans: 6:10
